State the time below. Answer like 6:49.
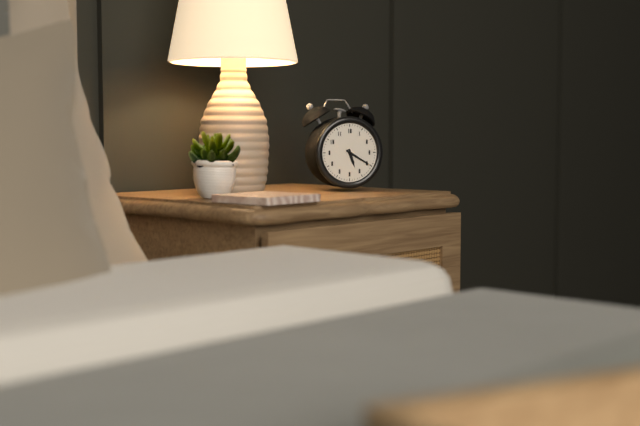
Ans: 5:20
